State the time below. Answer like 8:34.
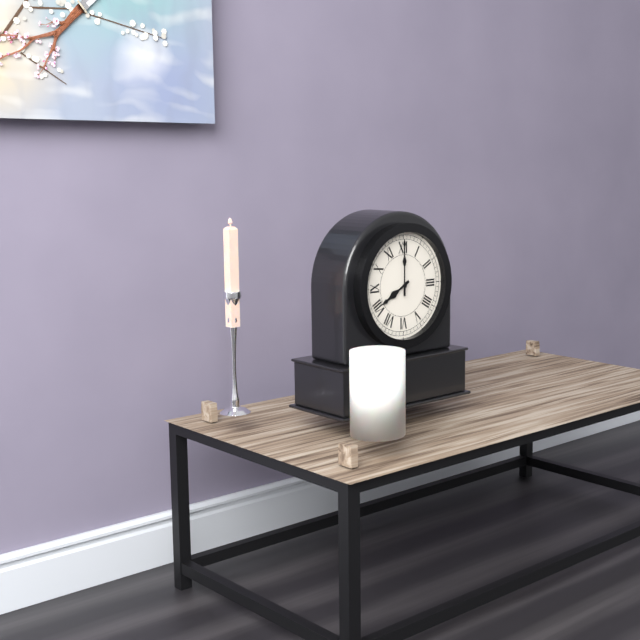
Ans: 8:00
